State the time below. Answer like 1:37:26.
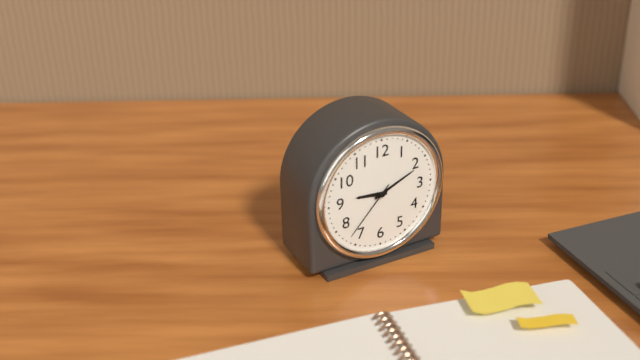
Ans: 9:11:37
